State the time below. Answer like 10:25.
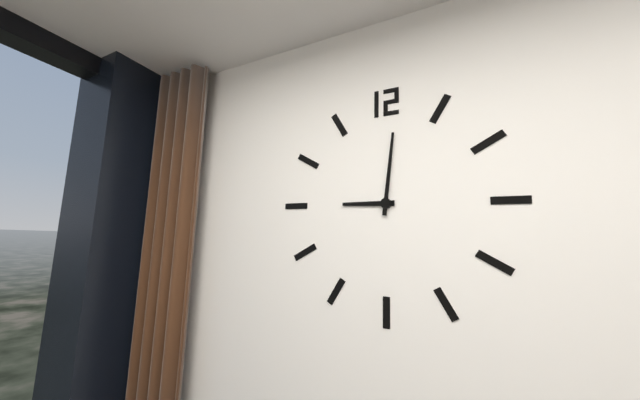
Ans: 9:01
